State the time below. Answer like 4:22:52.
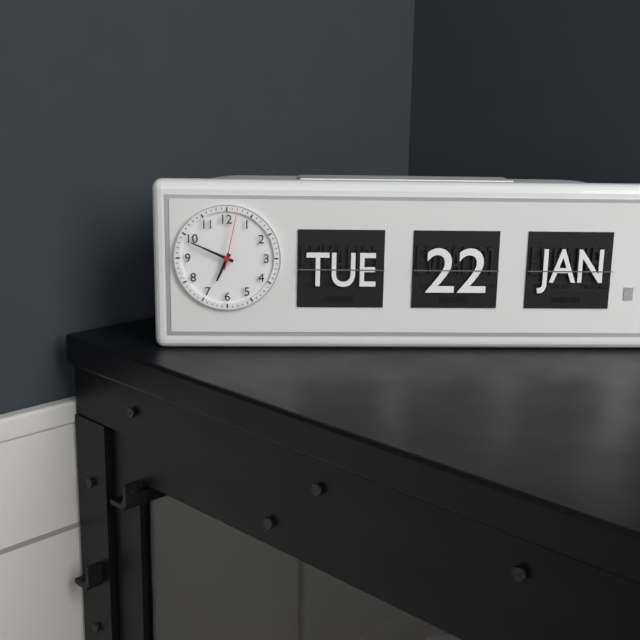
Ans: 6:49:02
